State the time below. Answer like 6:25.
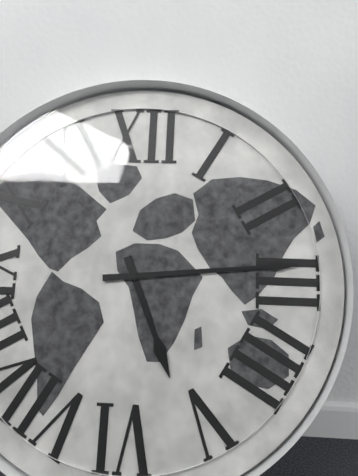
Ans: 5:14
